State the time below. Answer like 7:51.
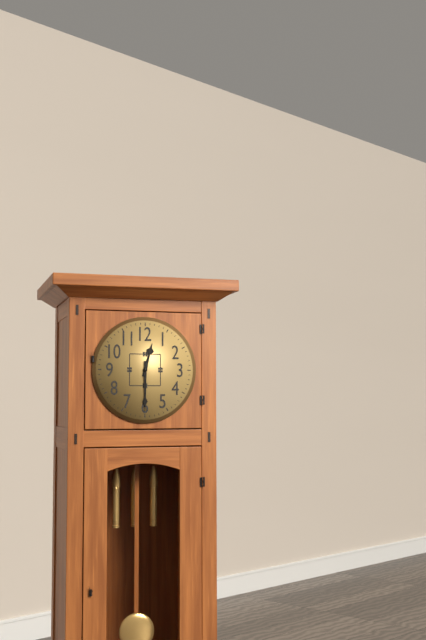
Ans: 12:30
